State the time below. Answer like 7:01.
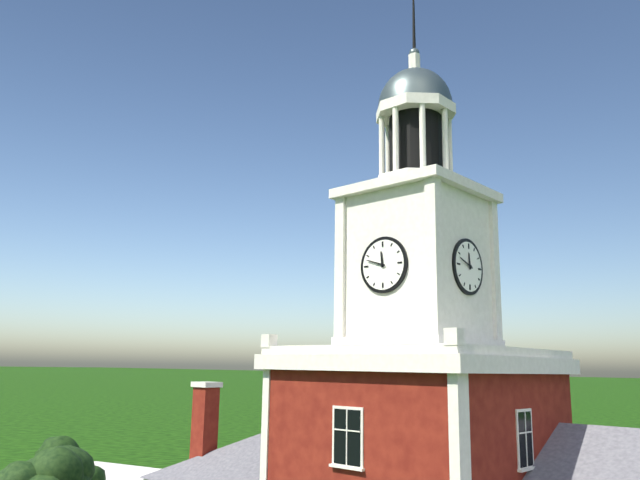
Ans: 11:48
